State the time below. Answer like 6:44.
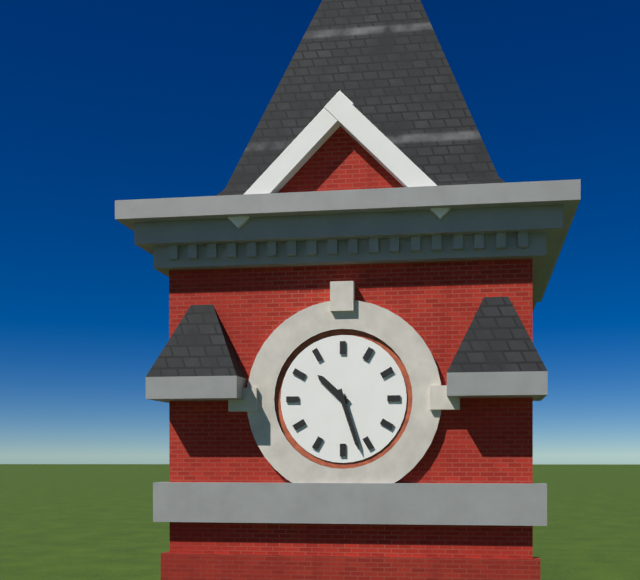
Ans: 10:27
